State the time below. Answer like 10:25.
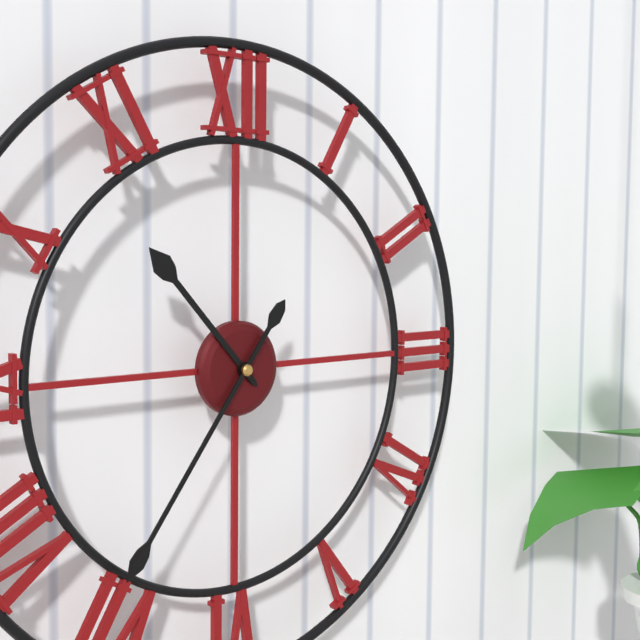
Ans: 10:36
